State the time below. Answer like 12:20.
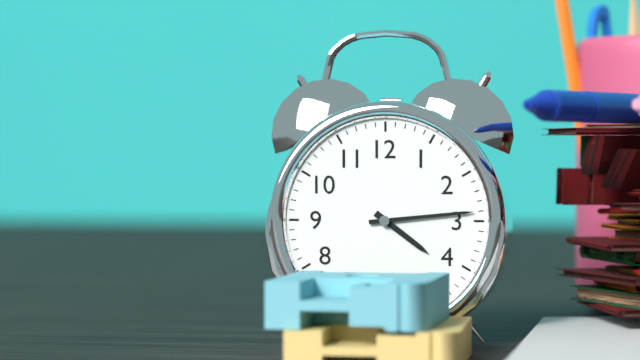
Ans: 4:14
